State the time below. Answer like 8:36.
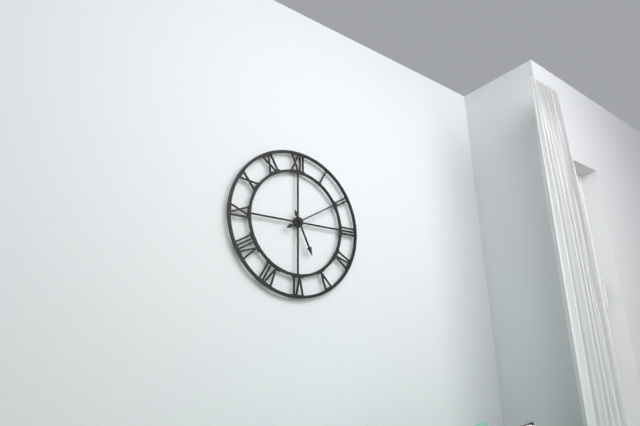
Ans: 5:10
